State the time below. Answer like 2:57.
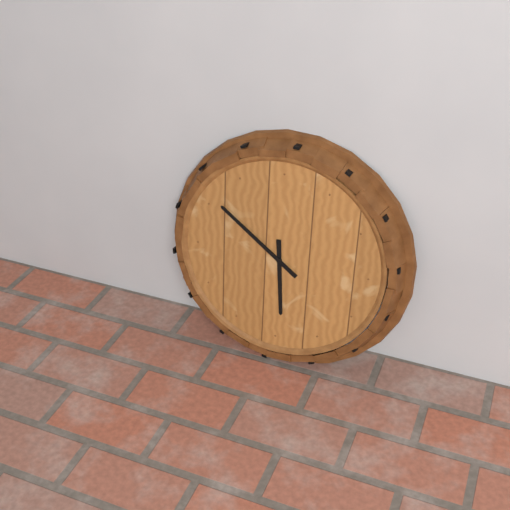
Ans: 5:51
